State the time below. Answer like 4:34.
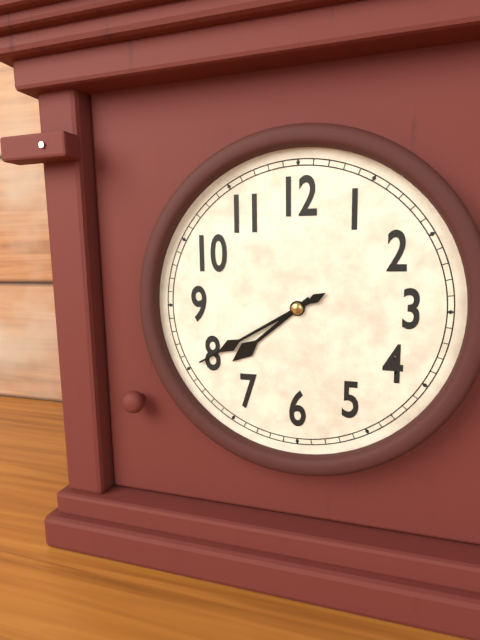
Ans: 7:40
